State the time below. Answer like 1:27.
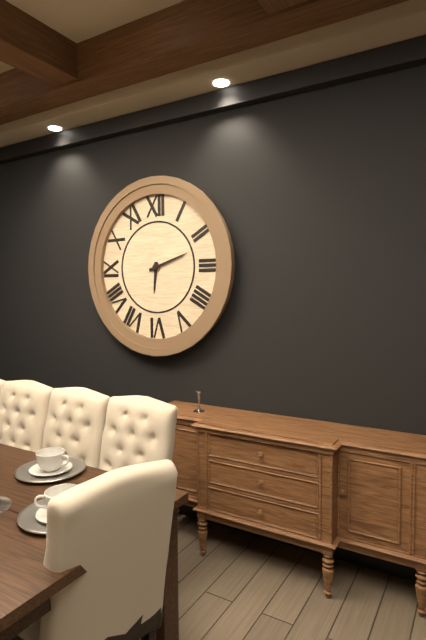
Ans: 6:12
